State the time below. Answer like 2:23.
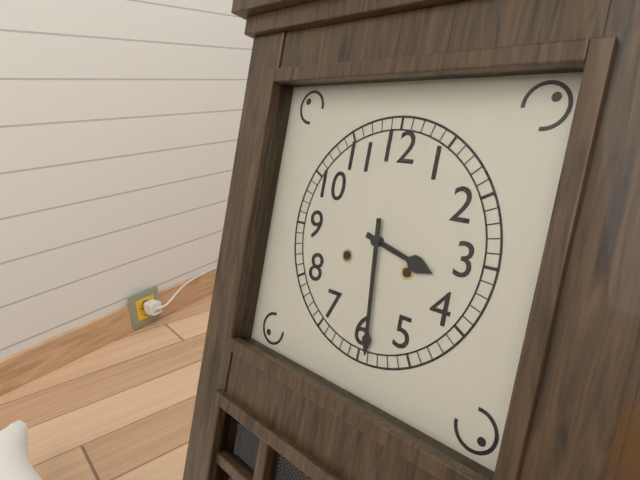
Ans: 3:29
